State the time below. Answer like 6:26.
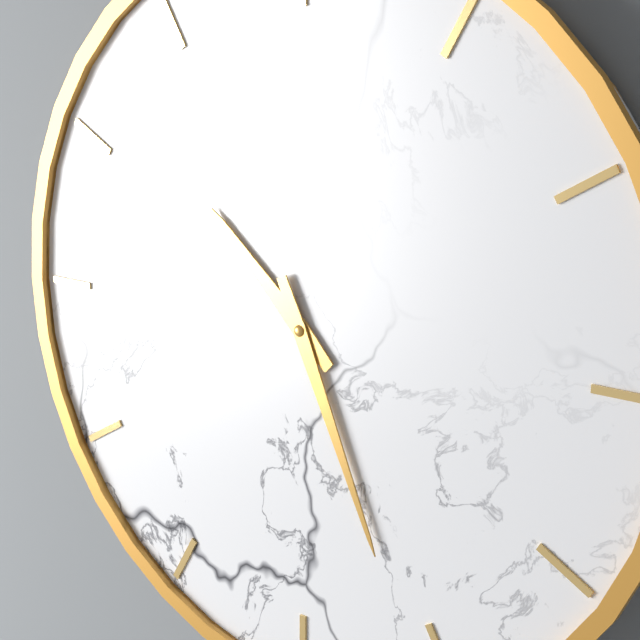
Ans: 10:26
